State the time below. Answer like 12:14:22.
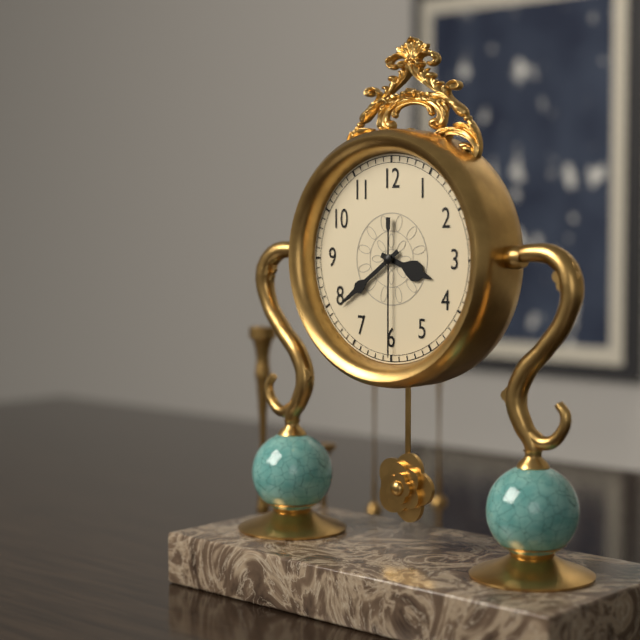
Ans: 3:39:30
